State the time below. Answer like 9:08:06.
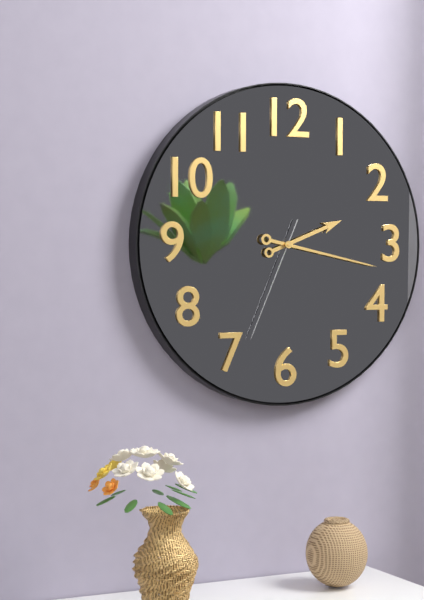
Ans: 2:17:34
